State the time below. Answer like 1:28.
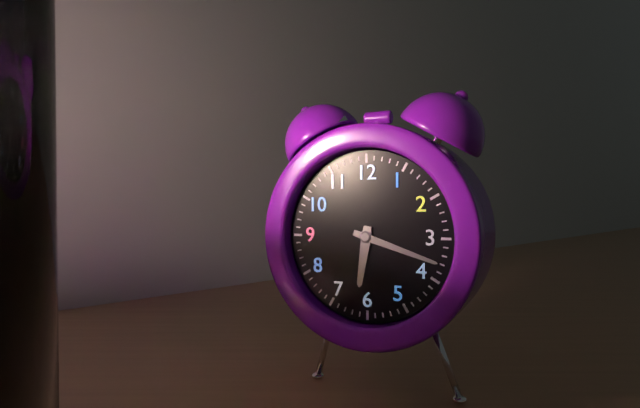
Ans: 6:18
